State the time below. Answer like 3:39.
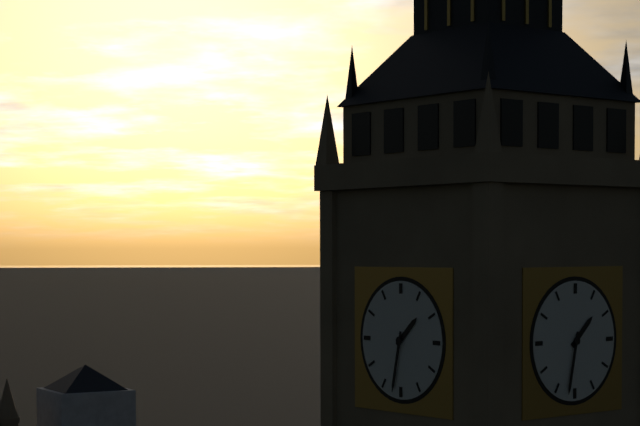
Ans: 1:32
